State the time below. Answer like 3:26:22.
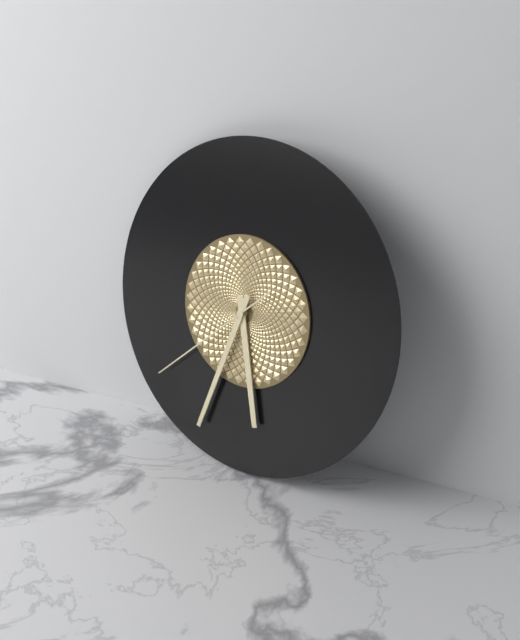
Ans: 5:33:38
